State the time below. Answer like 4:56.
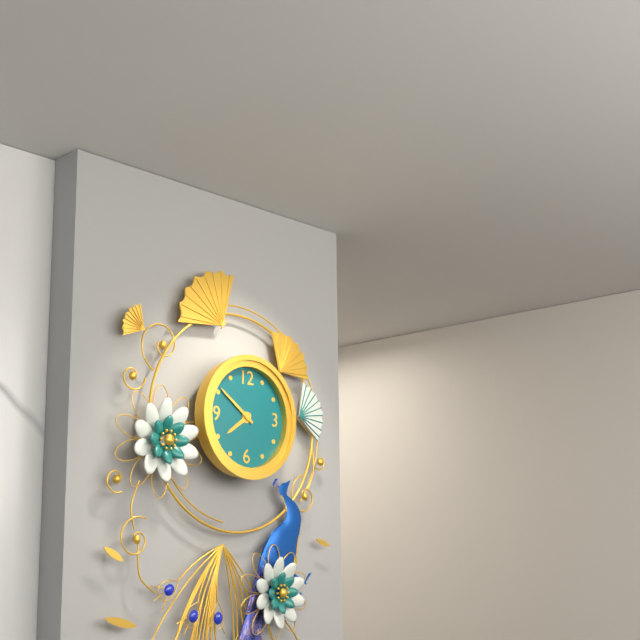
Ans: 7:51
